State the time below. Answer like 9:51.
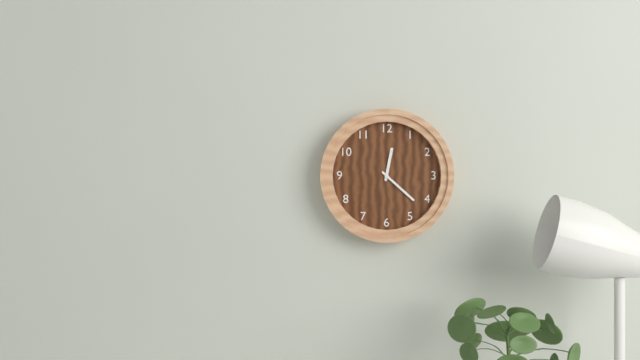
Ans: 12:22
